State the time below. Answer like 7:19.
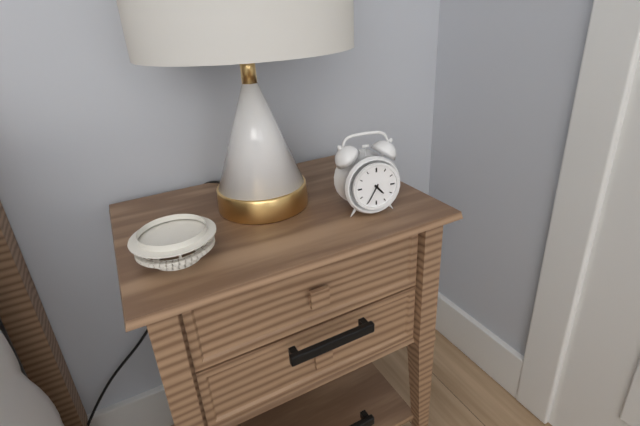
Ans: 4:35
